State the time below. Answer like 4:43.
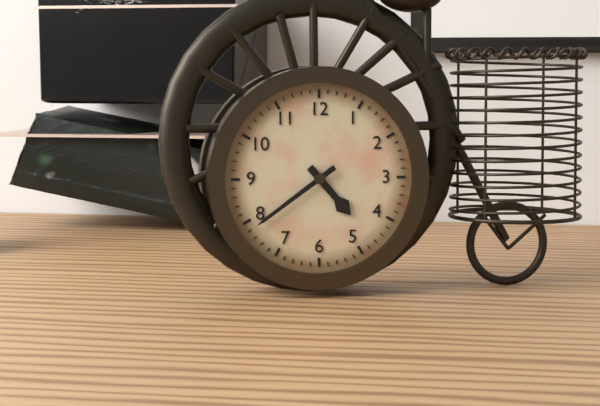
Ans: 4:39
